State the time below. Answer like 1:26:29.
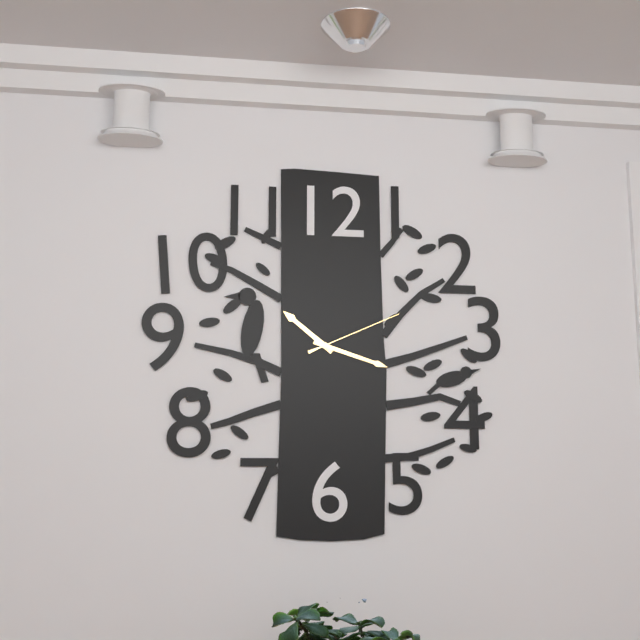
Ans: 10:18:11
